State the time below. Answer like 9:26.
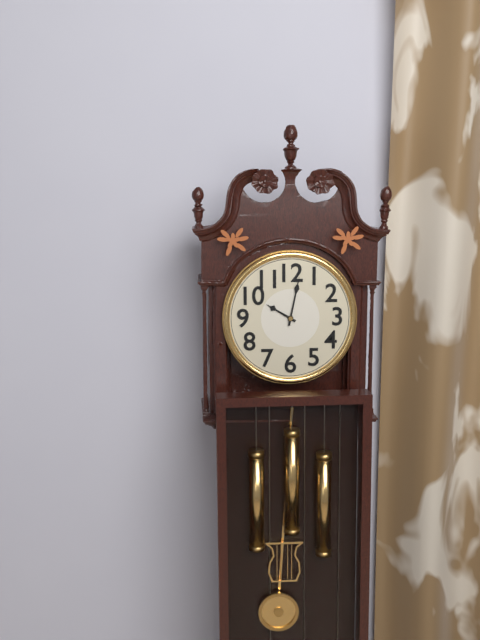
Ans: 10:02
